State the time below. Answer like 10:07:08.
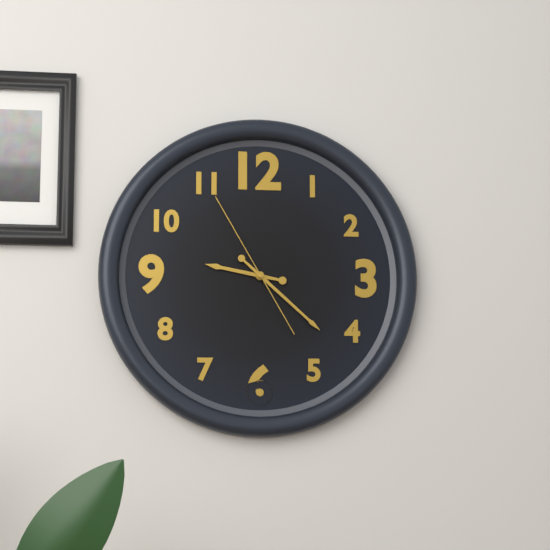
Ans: 9:22:55
